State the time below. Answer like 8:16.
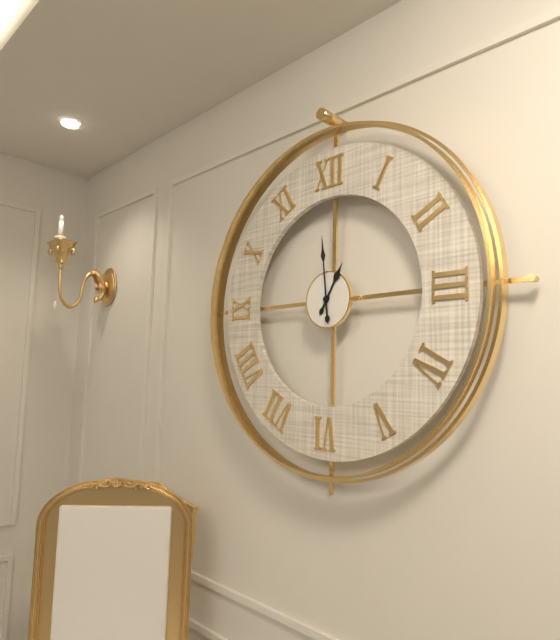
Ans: 12:59
